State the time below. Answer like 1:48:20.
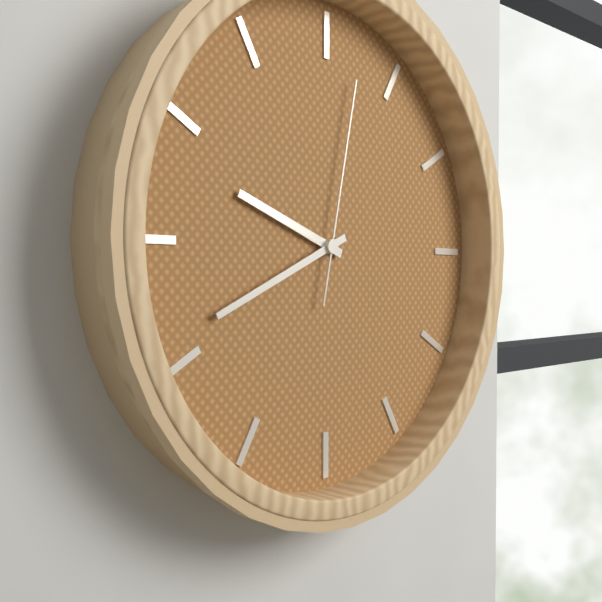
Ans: 9:41:02
